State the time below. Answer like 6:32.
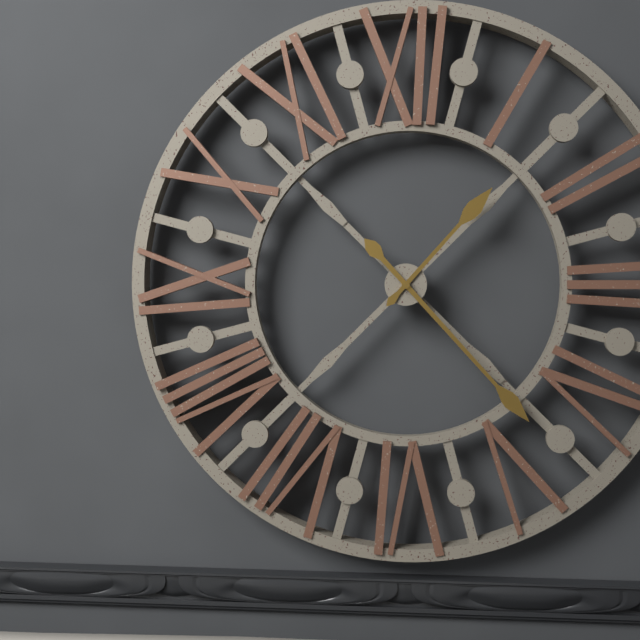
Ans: 1:23
